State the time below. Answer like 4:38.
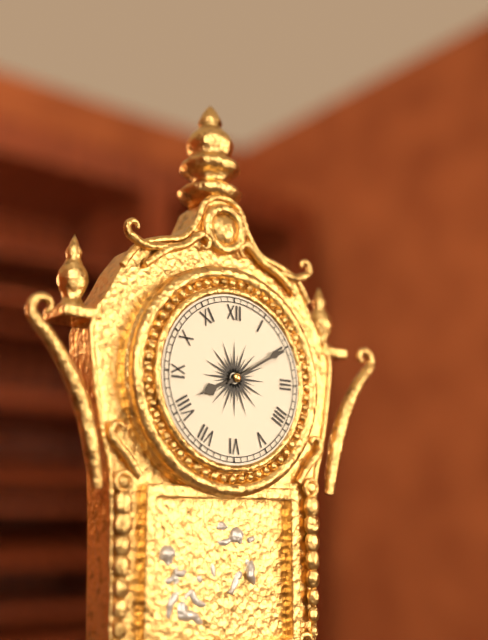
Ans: 8:10
